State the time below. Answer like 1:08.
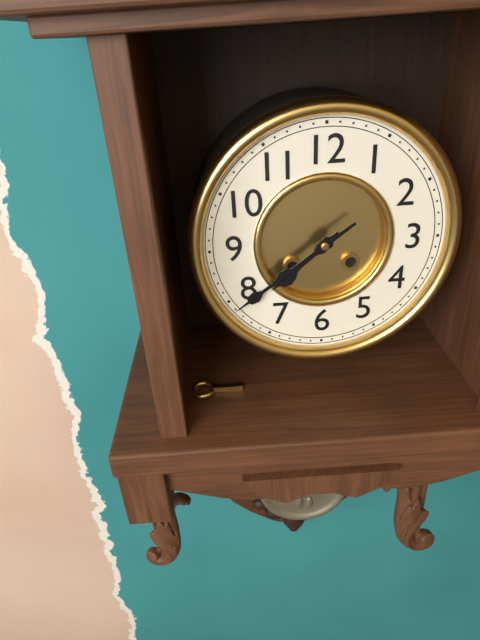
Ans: 7:39
